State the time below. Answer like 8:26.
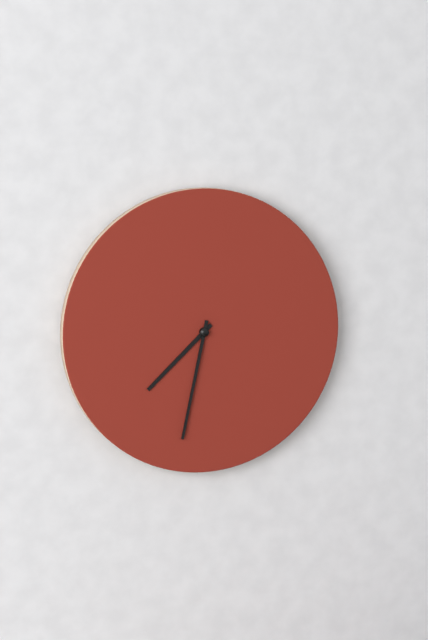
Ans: 7:32
